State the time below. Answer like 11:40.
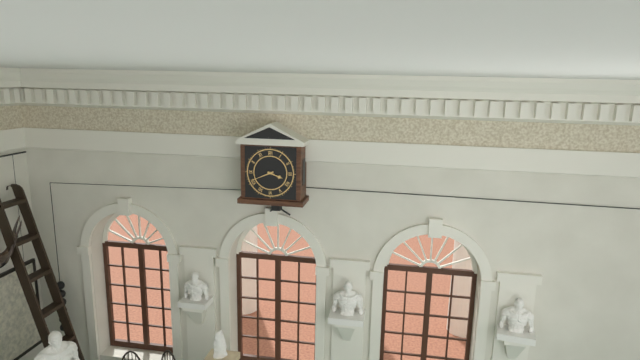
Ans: 3:41
